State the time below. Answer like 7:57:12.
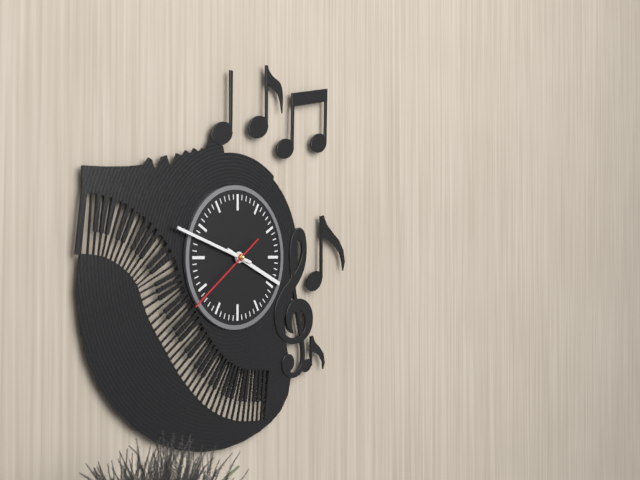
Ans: 3:48:39
